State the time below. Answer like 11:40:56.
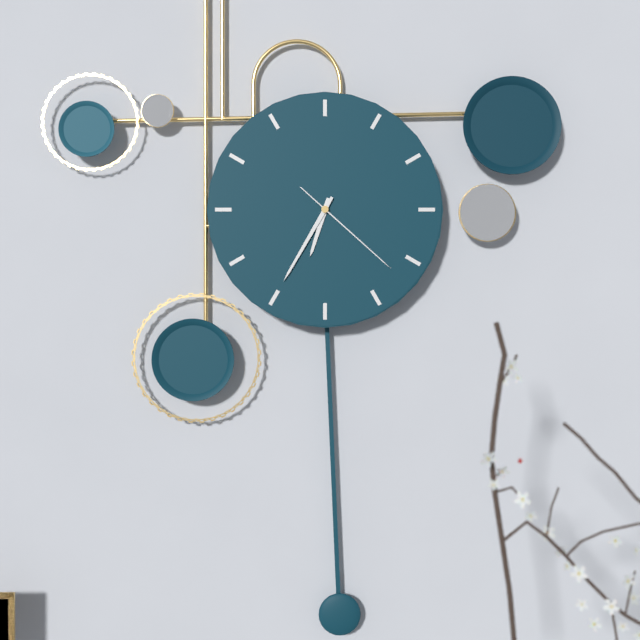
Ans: 6:35:22
